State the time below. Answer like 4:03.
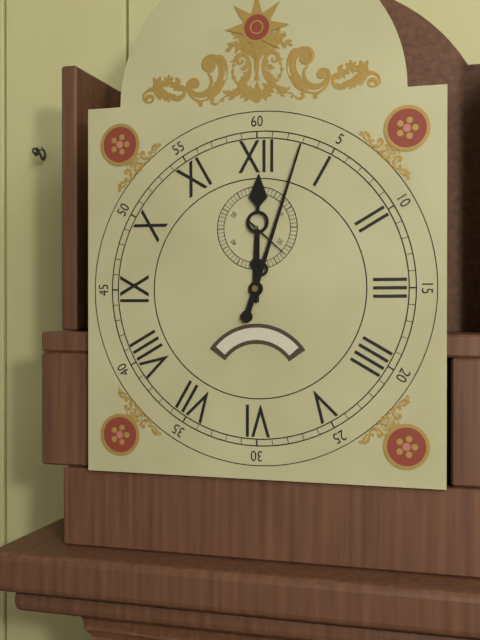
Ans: 12:03
